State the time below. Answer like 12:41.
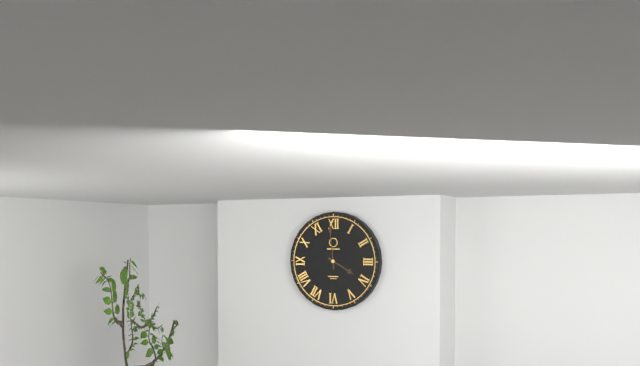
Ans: 3:59
